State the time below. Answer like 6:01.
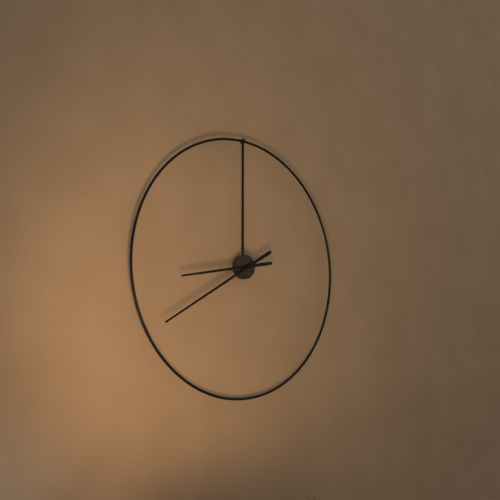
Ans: 8:40
